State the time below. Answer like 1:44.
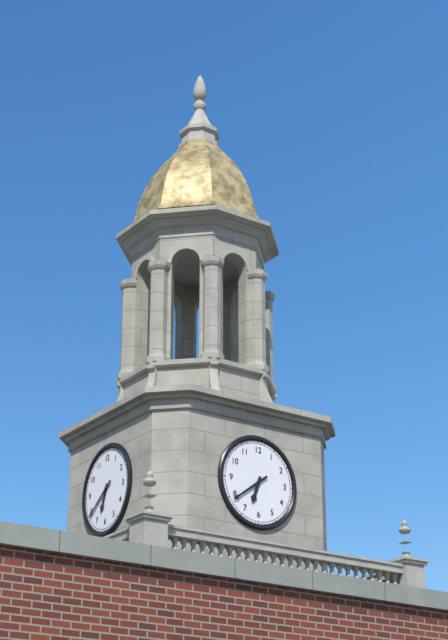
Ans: 6:39
